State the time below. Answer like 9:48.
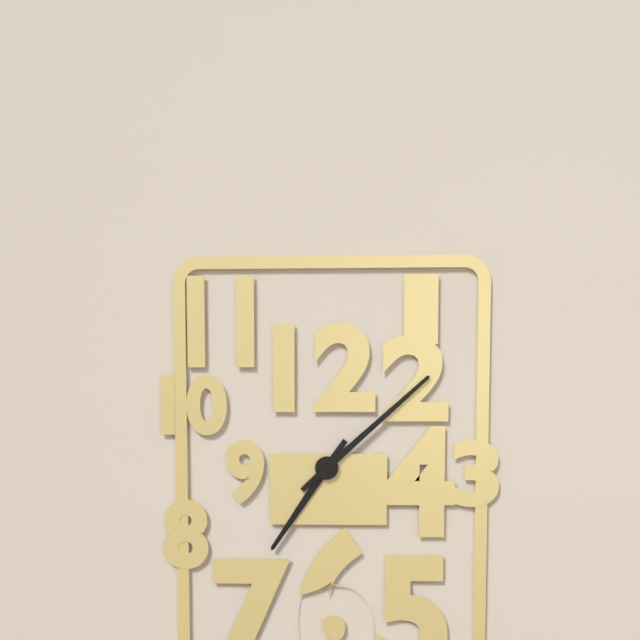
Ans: 7:08
